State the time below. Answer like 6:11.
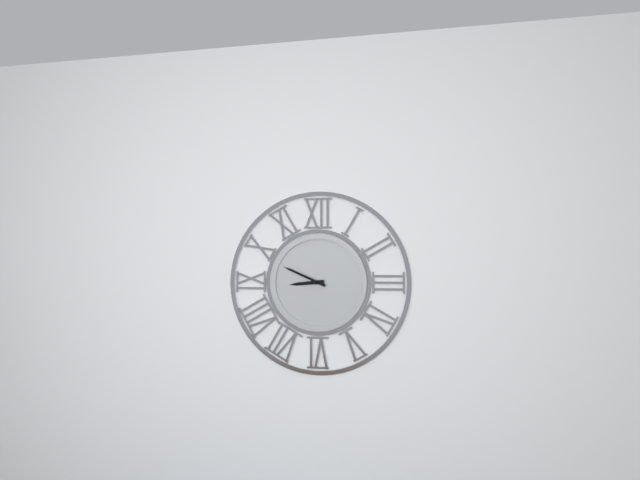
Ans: 8:49
